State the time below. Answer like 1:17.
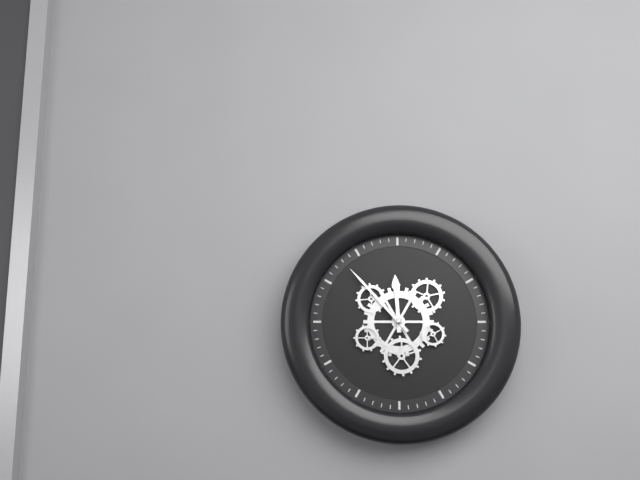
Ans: 11:53
